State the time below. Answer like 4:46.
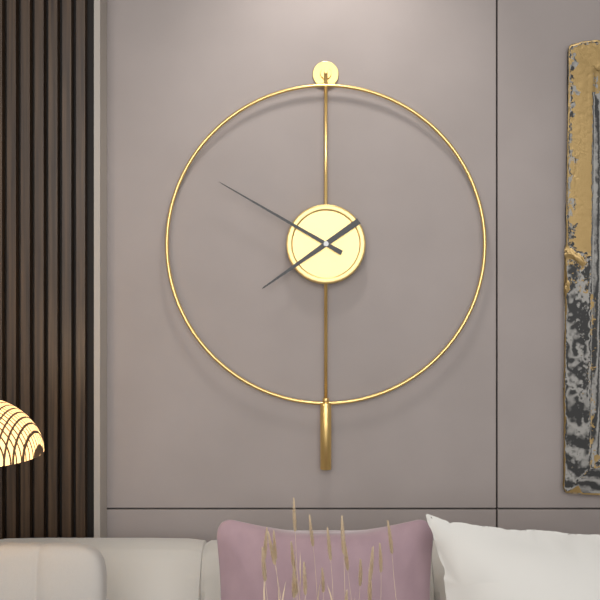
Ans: 7:50
